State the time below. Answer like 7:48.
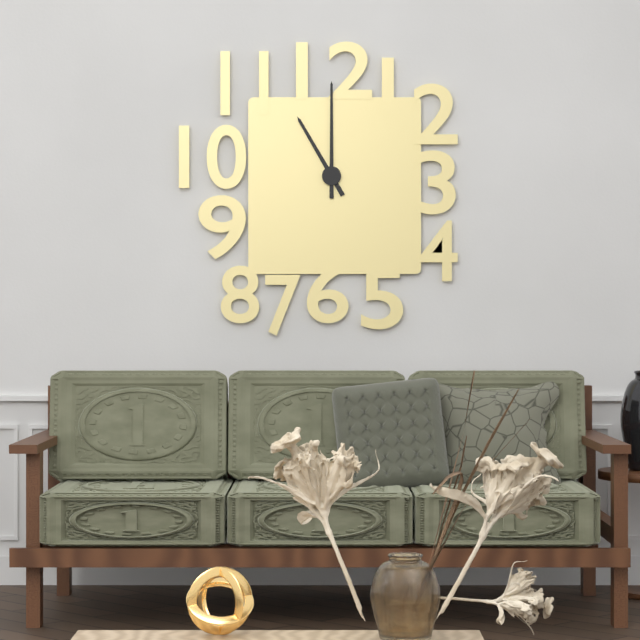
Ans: 11:00
